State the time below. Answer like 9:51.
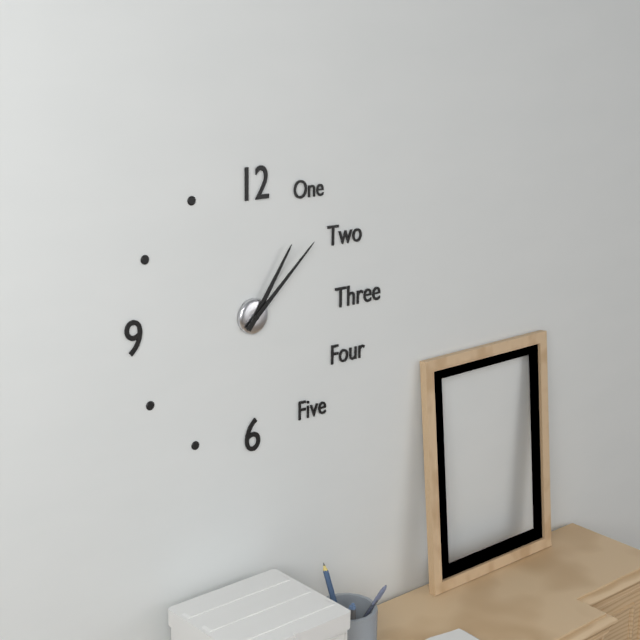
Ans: 1:08
